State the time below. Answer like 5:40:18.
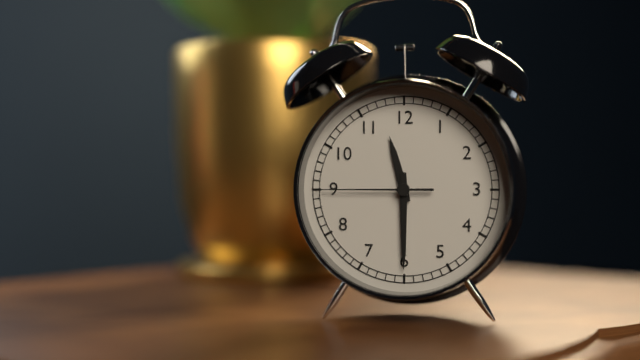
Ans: 11:30:45
